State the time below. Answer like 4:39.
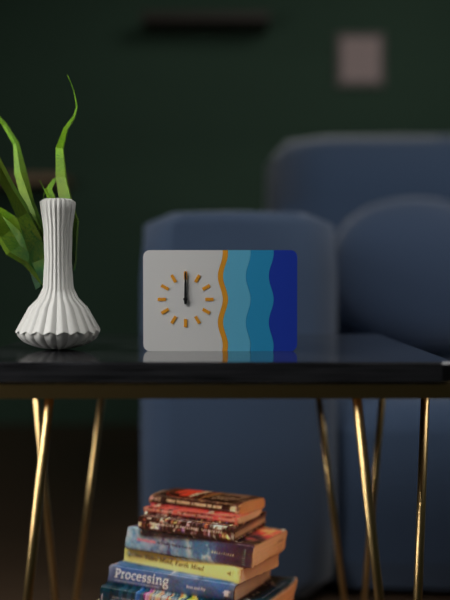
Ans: 12:00
